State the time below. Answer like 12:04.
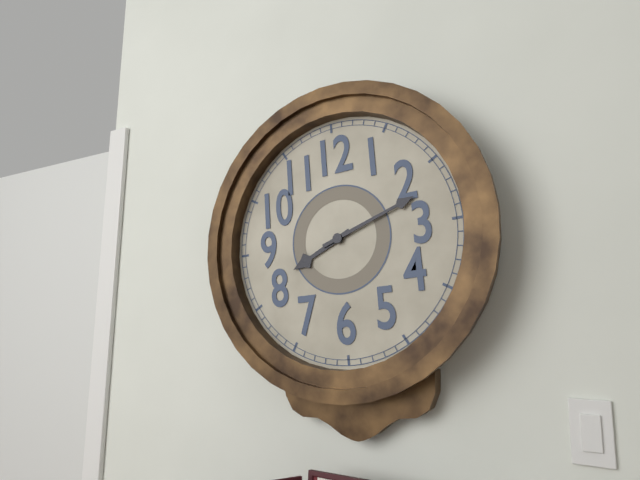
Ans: 8:12
